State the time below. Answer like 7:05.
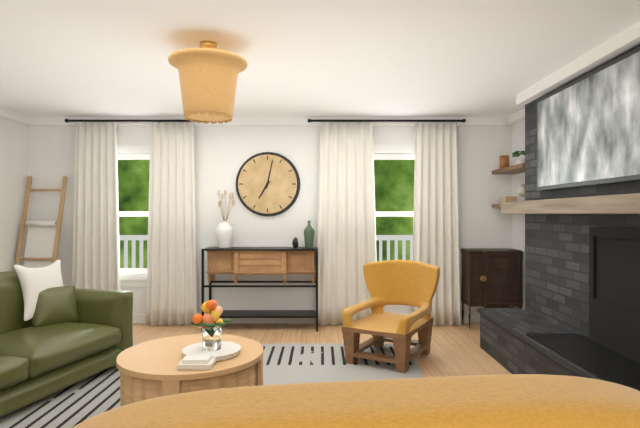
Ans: 7:02
